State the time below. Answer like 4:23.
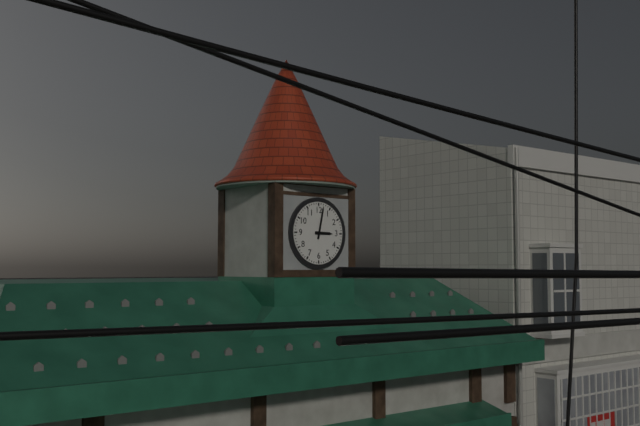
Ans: 3:02
